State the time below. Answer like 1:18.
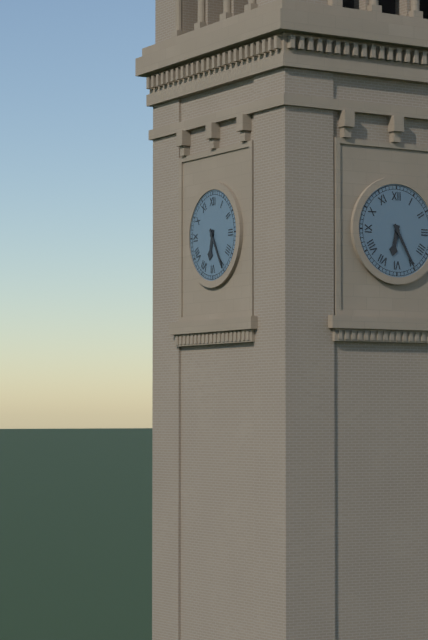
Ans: 6:25
